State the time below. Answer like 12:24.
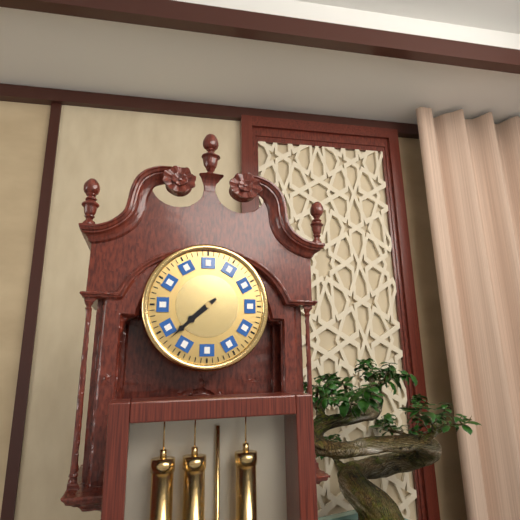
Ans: 7:38
